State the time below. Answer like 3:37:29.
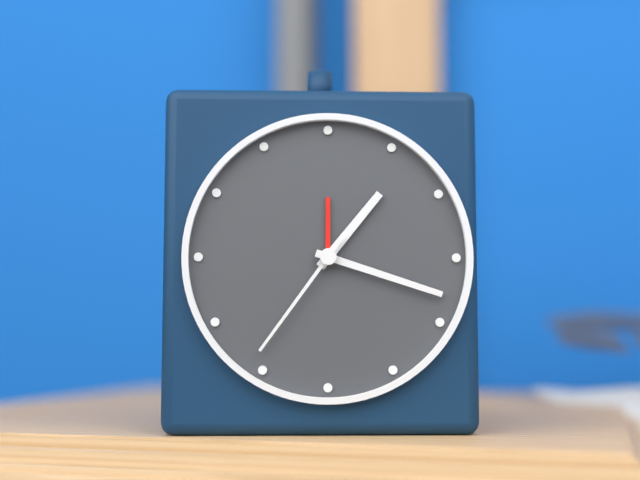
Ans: 1:18:36
